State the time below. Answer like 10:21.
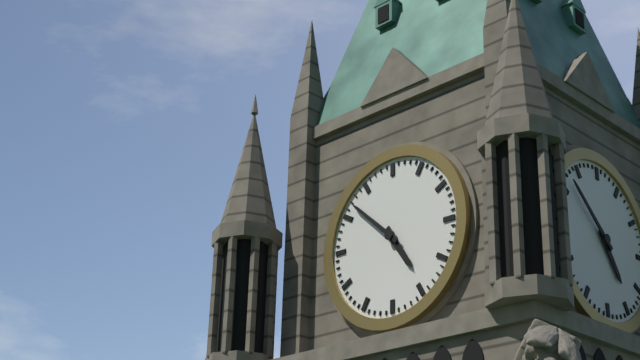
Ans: 4:52
